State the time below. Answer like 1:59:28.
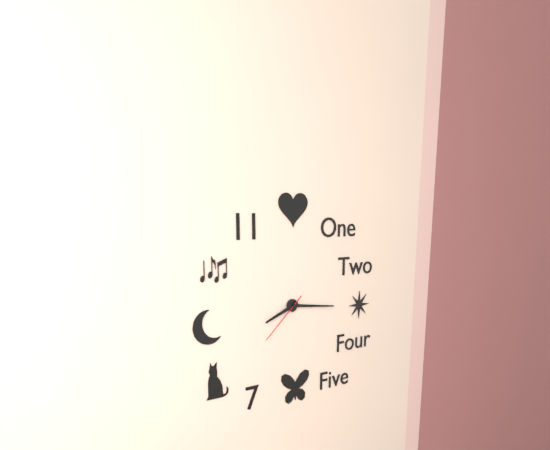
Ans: 8:16:38
